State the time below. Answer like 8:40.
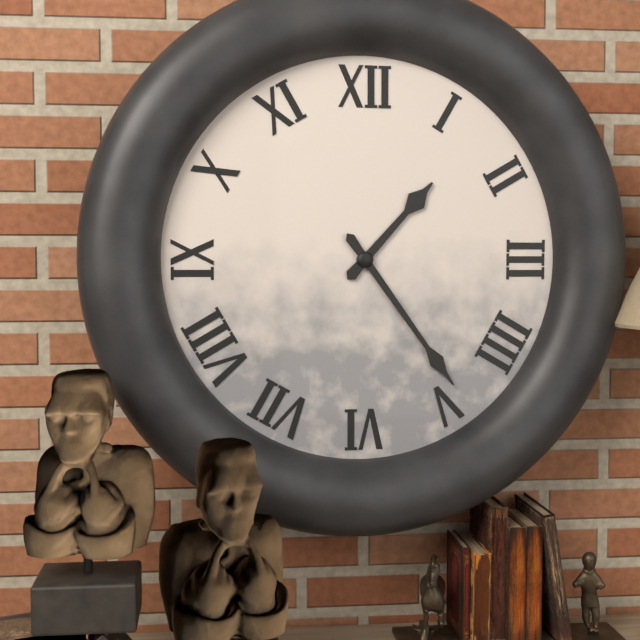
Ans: 1:24
